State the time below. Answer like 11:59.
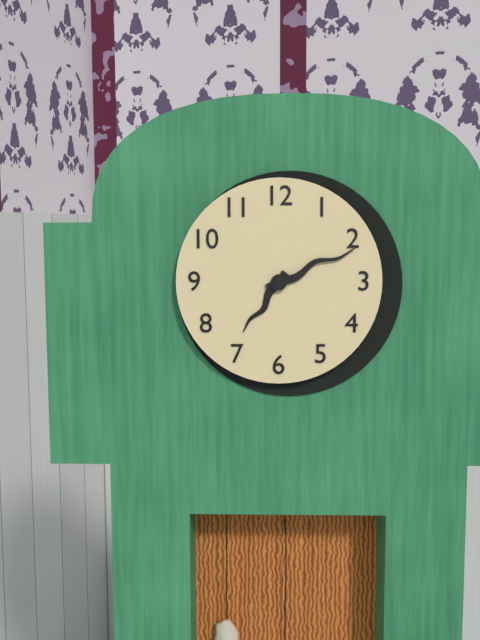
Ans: 7:11
